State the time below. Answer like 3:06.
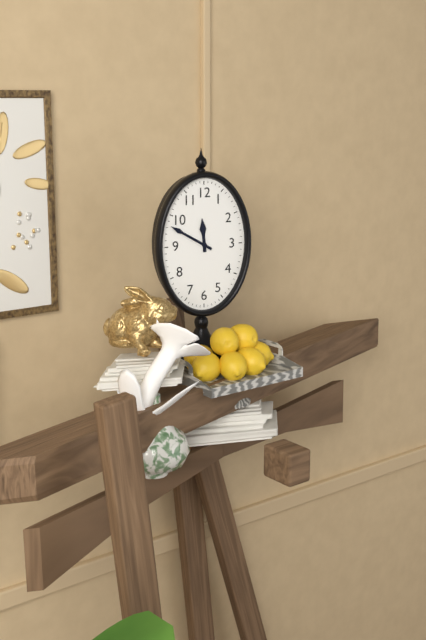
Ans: 11:50
